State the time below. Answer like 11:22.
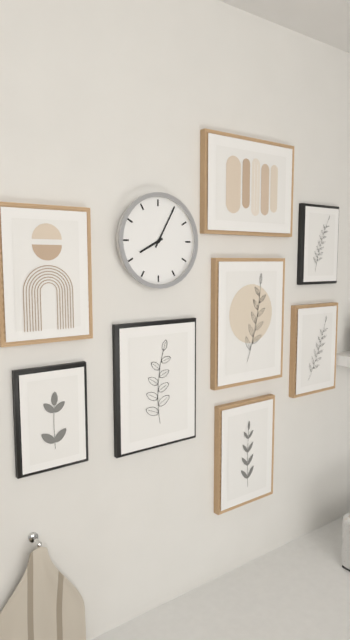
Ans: 8:05
